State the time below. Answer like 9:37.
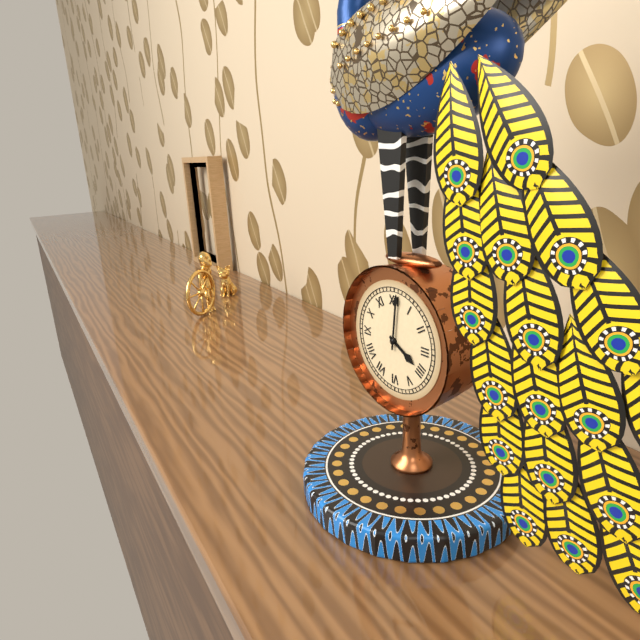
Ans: 4:01
